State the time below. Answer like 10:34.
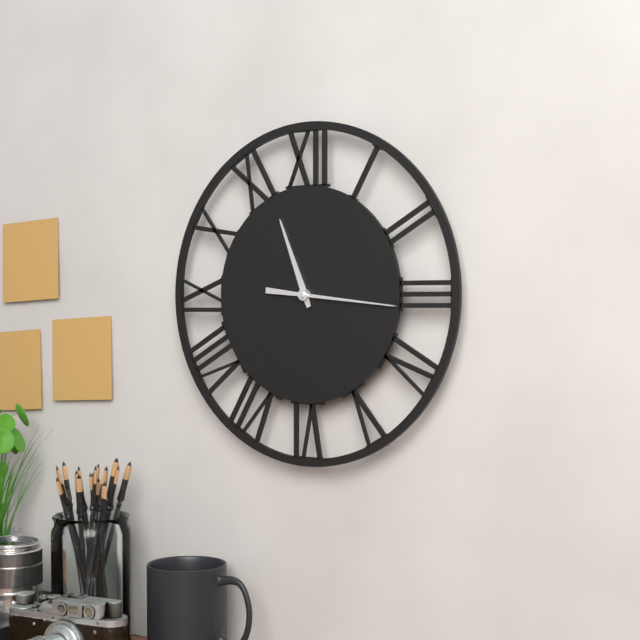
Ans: 11:16
